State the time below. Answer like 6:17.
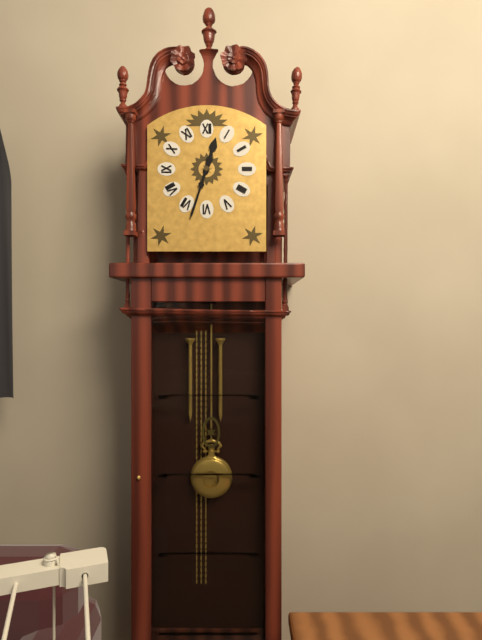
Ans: 12:33
